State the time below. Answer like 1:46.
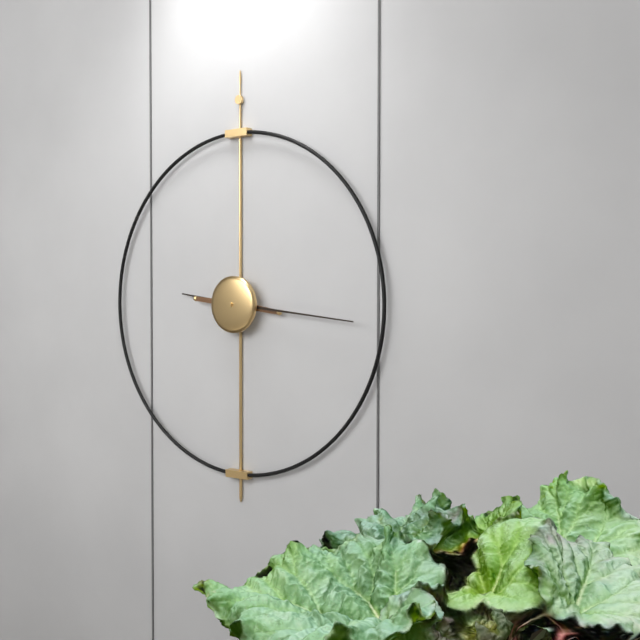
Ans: 9:16
